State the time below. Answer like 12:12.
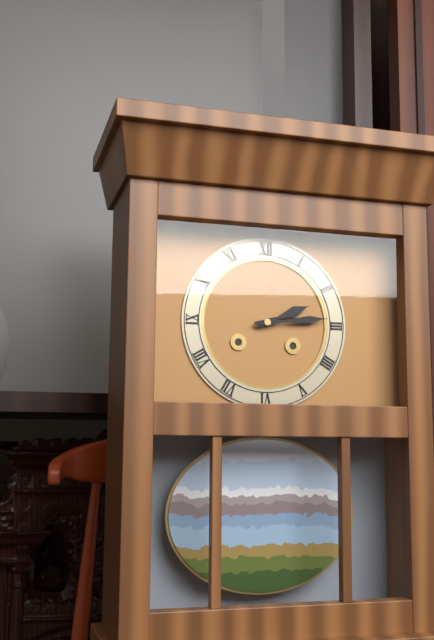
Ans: 2:14
